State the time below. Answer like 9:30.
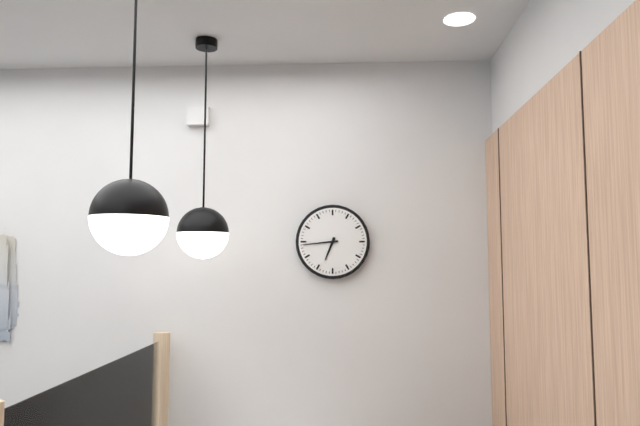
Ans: 6:44
